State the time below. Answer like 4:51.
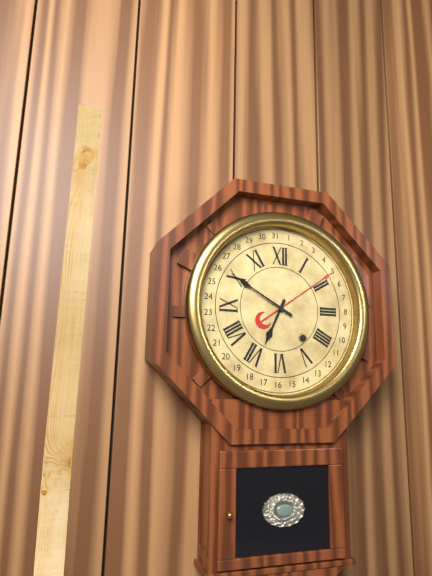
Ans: 6:50
